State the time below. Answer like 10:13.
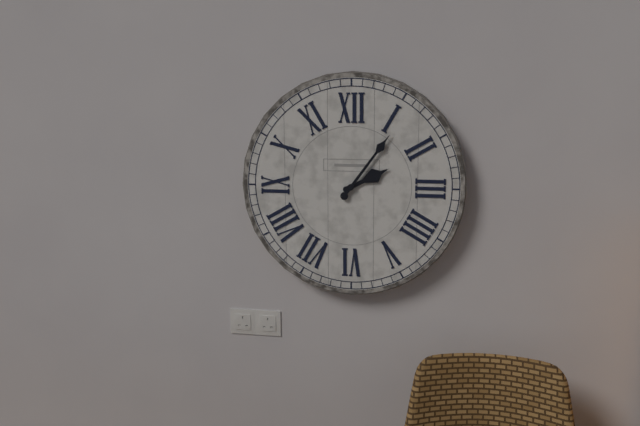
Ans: 2:06
